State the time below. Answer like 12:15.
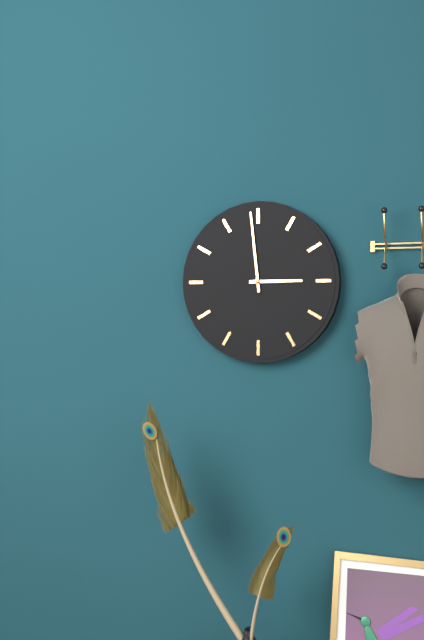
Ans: 2:59
